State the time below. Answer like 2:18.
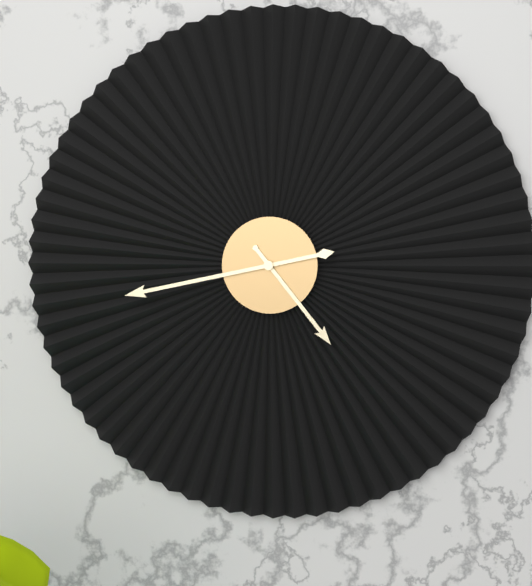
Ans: 4:43
